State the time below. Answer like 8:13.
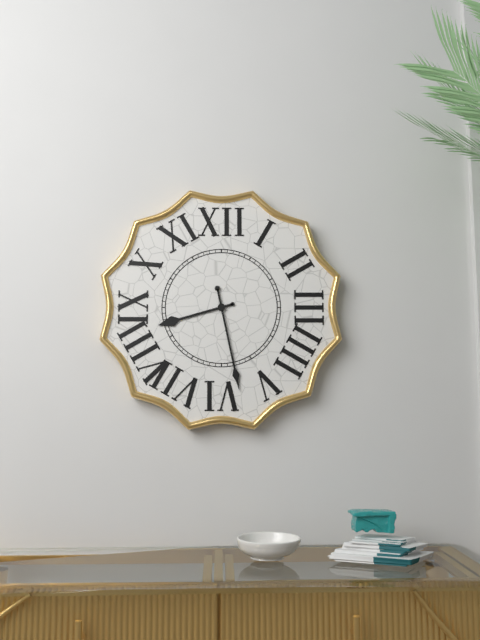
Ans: 8:28
